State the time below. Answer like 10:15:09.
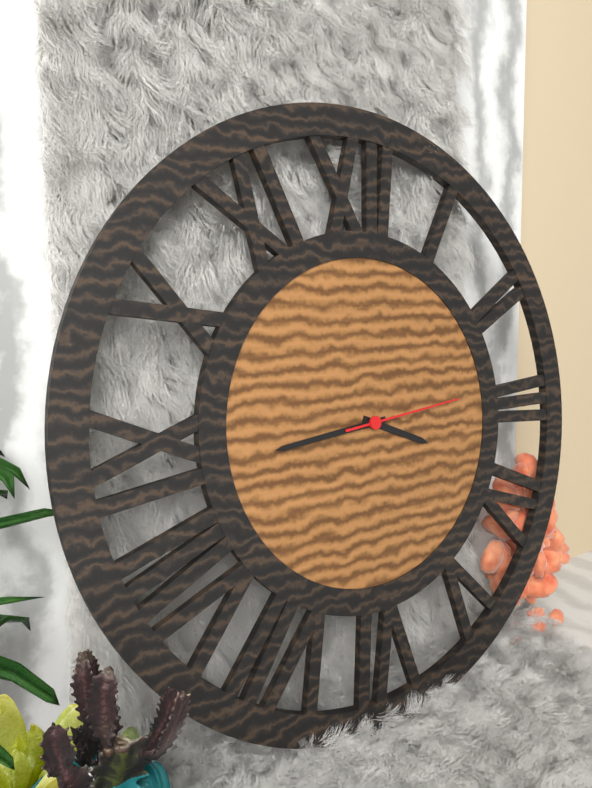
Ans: 3:44:14
